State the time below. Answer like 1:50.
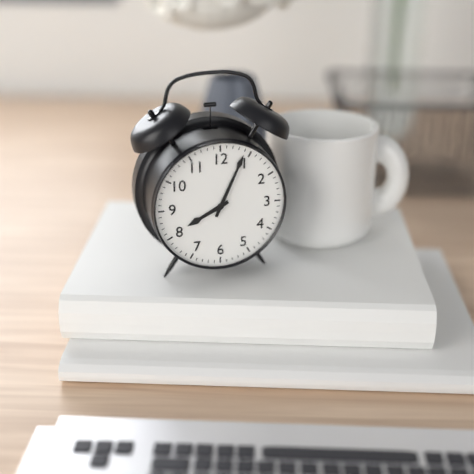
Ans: 8:04
